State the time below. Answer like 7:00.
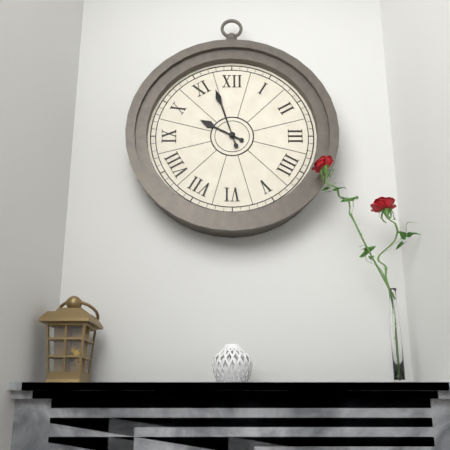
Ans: 9:57
